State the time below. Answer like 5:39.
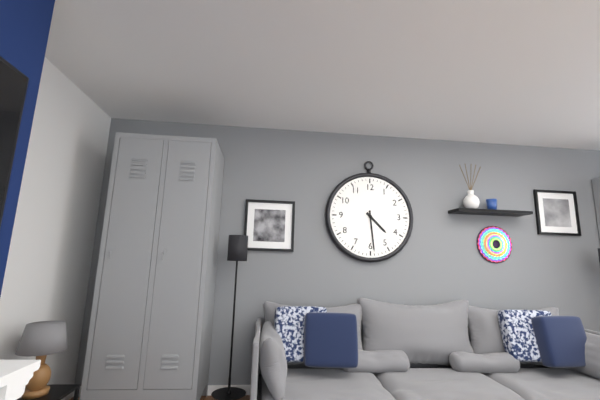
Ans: 4:29
